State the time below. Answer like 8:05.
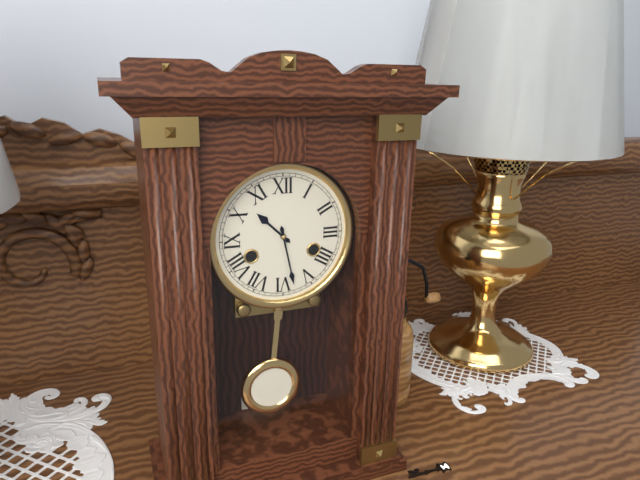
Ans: 10:28
